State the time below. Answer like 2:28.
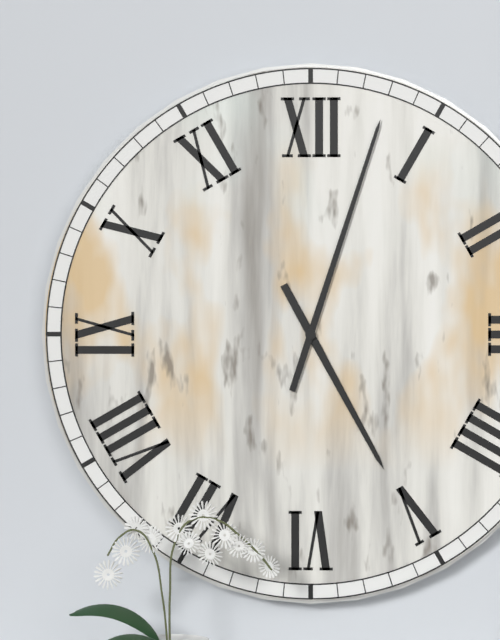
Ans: 5:03
